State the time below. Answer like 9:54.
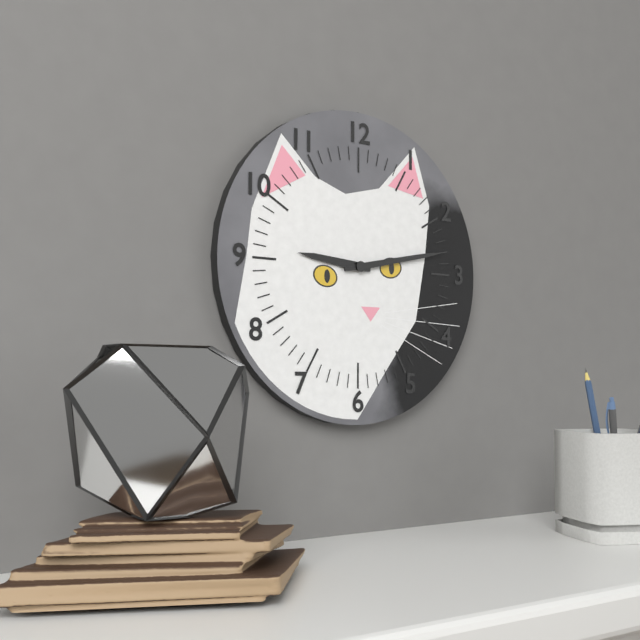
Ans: 9:13
